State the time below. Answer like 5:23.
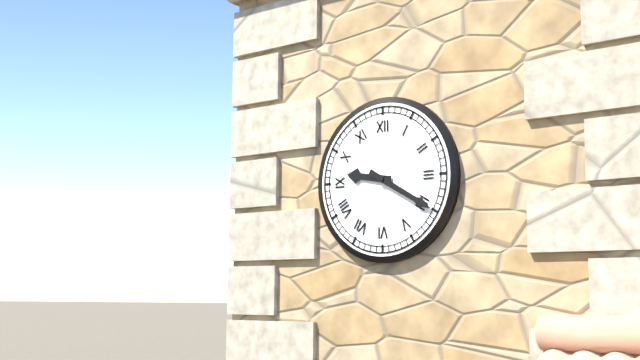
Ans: 9:20
